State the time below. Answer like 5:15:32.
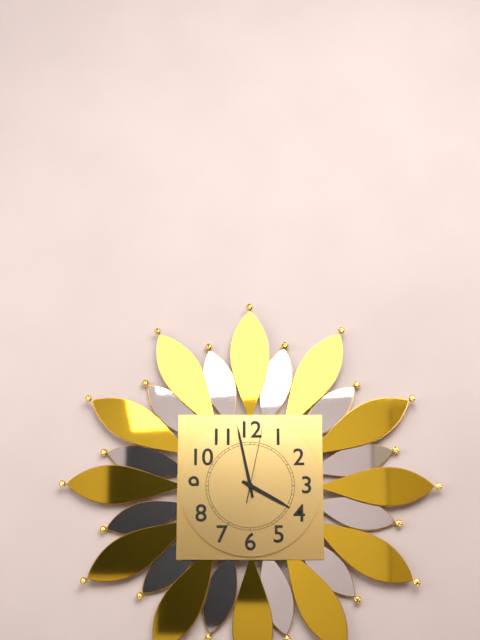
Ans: 3:58:02
